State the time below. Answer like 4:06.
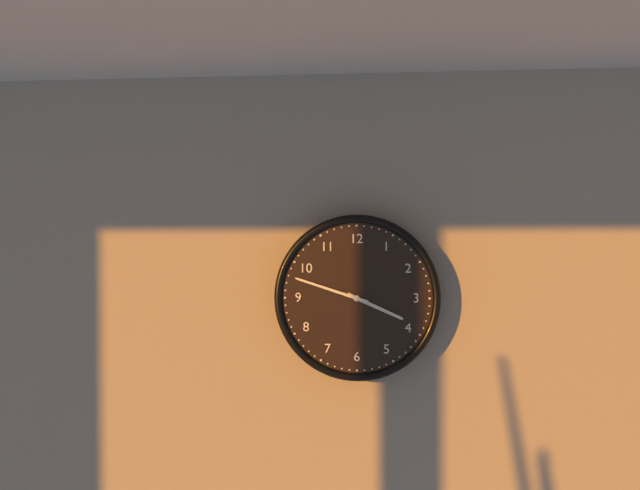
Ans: 3:48
